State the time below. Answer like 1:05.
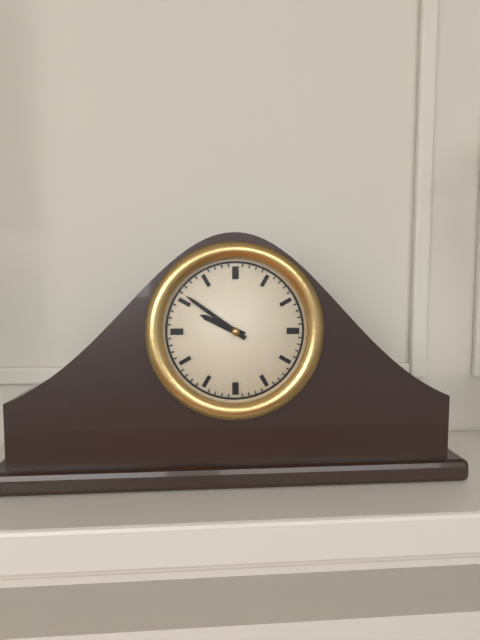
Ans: 9:51
